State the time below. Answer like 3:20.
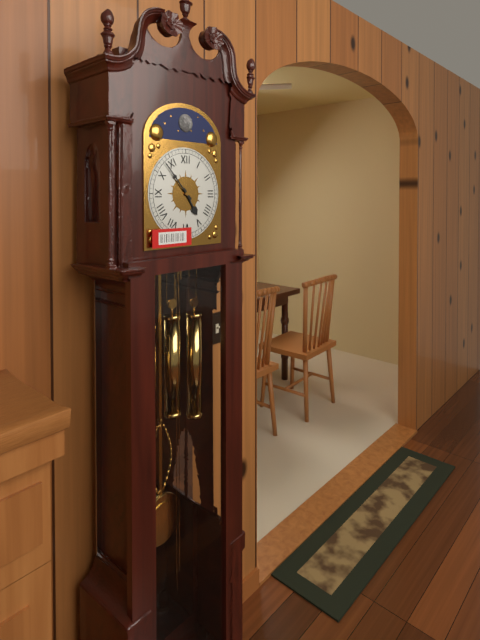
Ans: 4:53
